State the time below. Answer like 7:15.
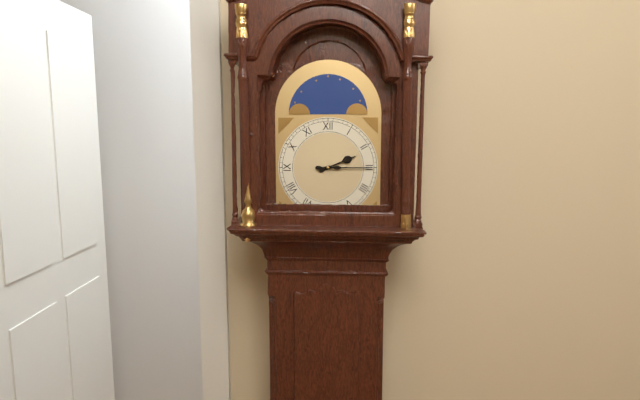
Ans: 2:15
